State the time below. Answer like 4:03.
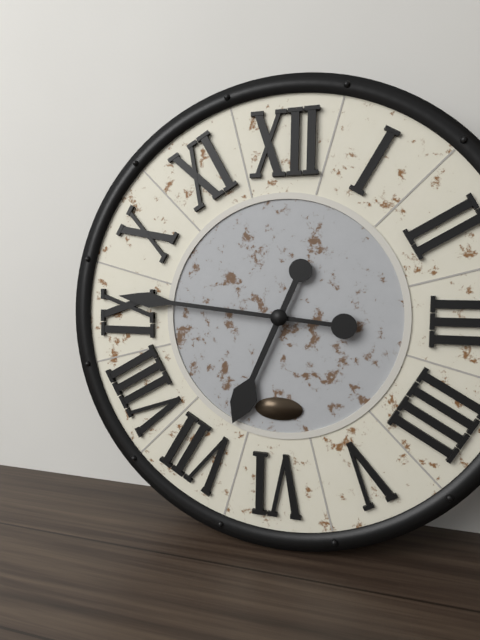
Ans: 6:46
